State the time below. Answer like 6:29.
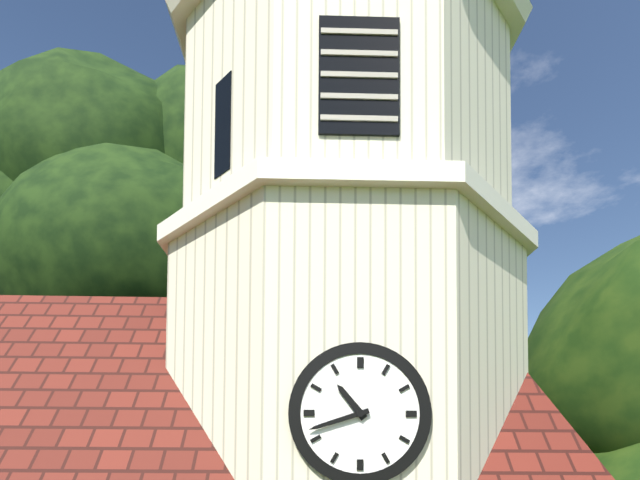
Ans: 10:42
